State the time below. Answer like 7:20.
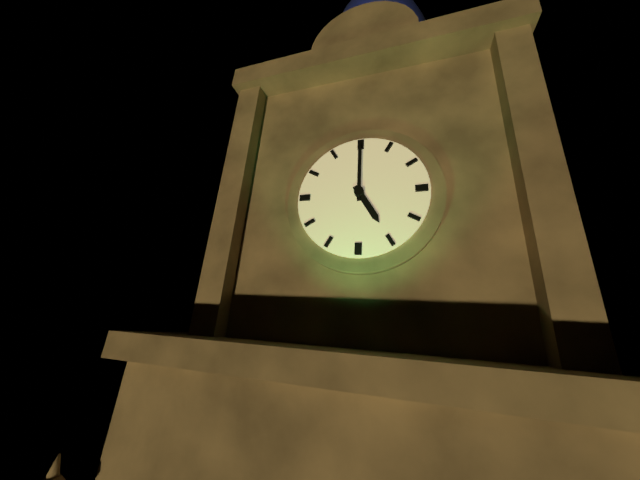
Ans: 5:00
